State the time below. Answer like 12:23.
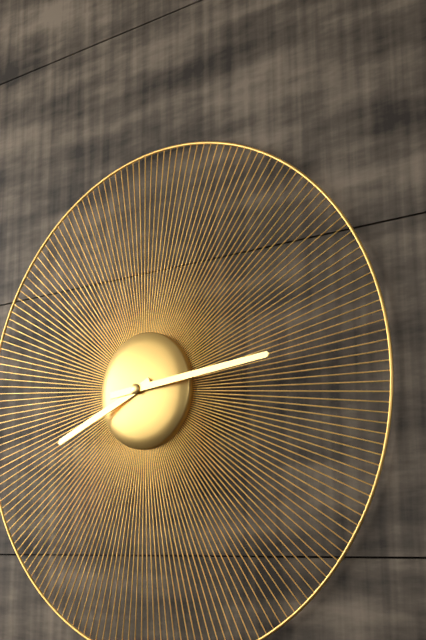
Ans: 8:14
